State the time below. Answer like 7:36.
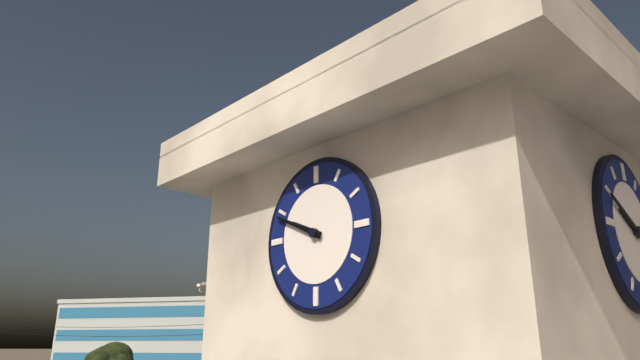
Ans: 9:49
